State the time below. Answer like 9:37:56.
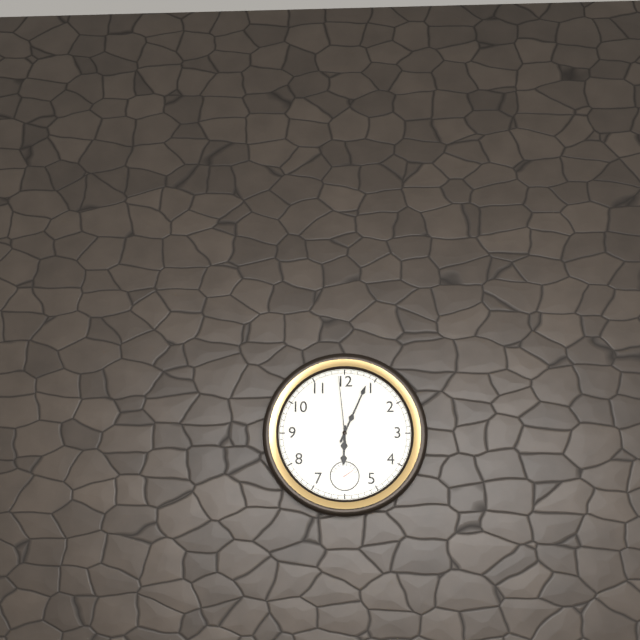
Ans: 6:04:59
